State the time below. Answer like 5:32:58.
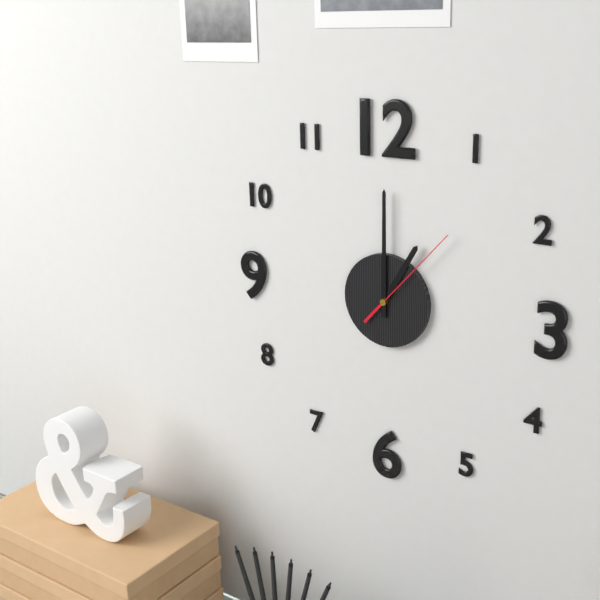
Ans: 1:00:07
